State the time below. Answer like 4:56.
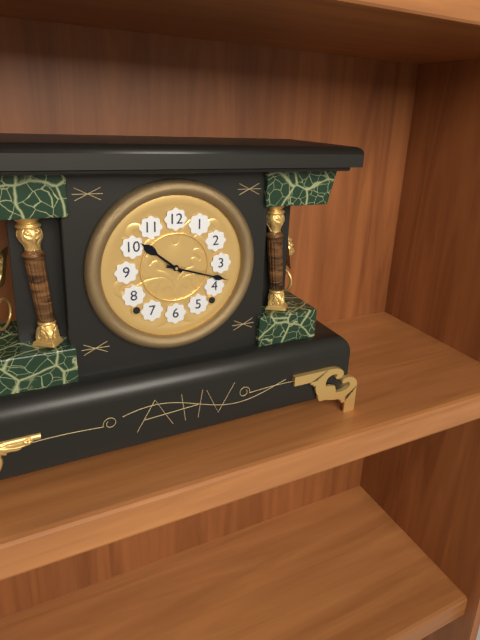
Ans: 10:18
